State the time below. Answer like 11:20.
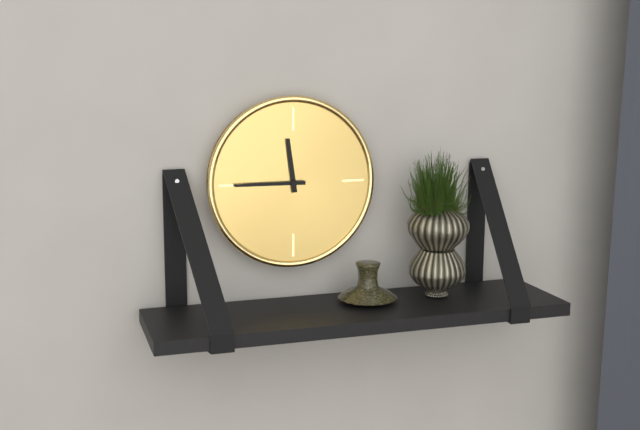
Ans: 11:45
